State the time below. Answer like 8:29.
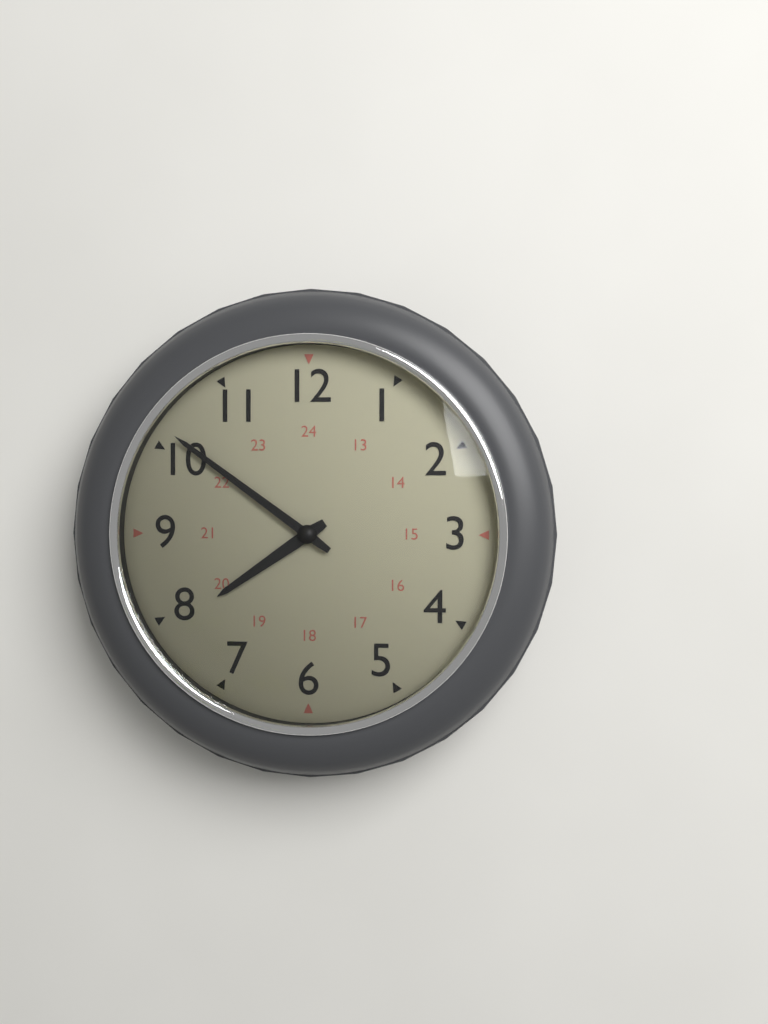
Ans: 7:51
